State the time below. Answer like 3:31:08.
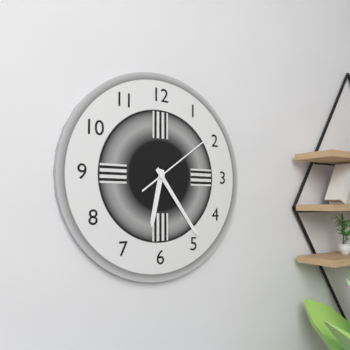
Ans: 6:24:09
